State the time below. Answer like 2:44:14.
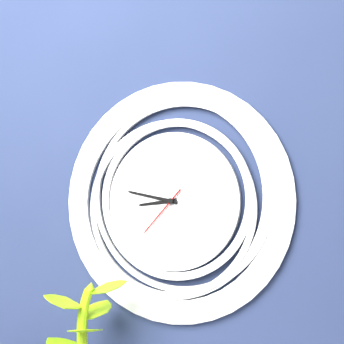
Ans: 8:47:37
